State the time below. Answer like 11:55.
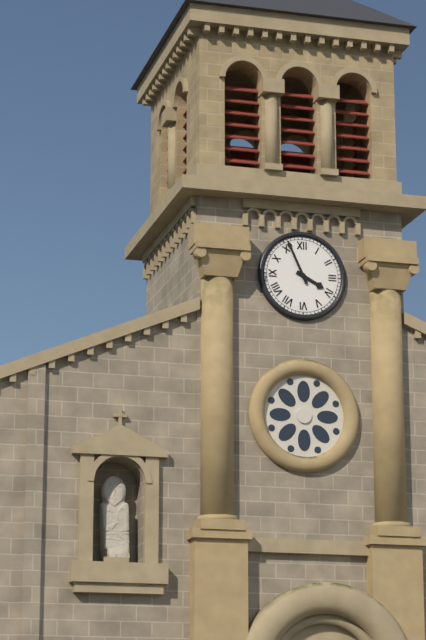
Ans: 3:56
